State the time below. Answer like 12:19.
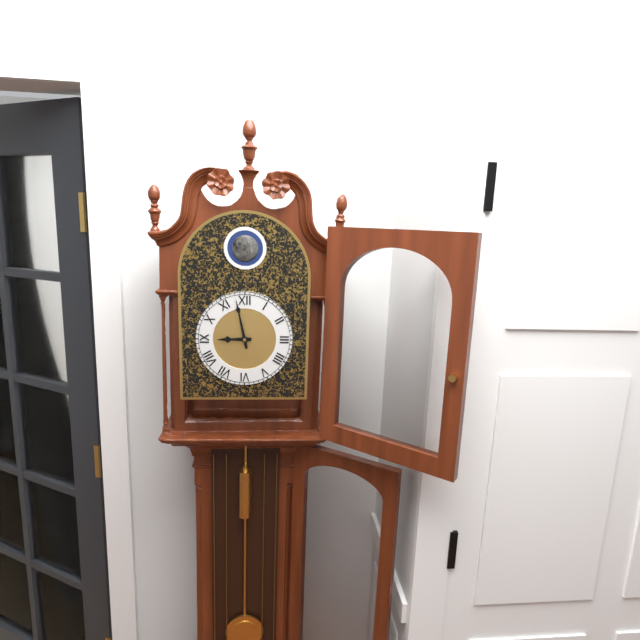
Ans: 8:58
